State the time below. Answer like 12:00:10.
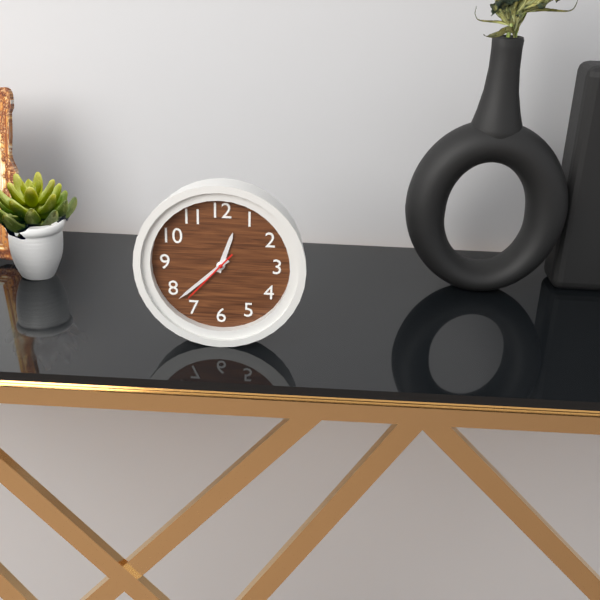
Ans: 12:38:37
